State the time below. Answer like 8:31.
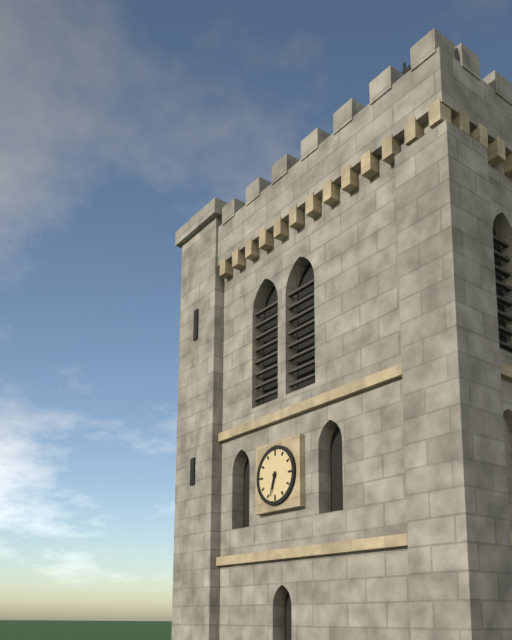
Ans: 6:33
